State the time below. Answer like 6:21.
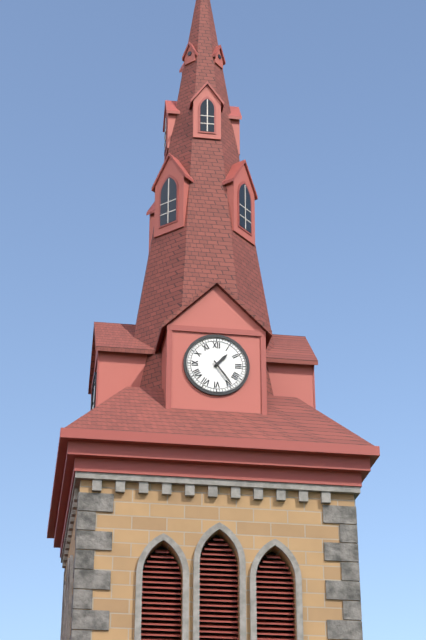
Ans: 1:24
